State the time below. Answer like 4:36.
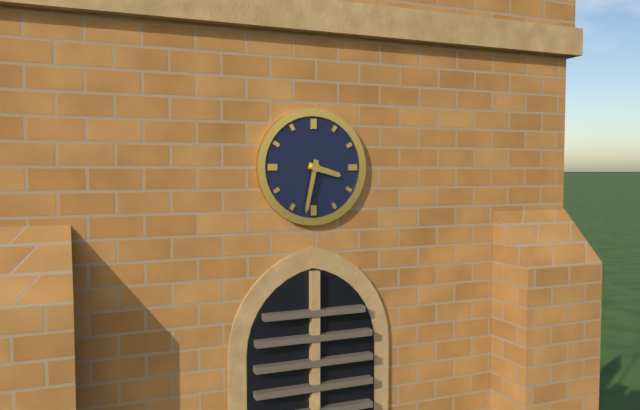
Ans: 3:32
